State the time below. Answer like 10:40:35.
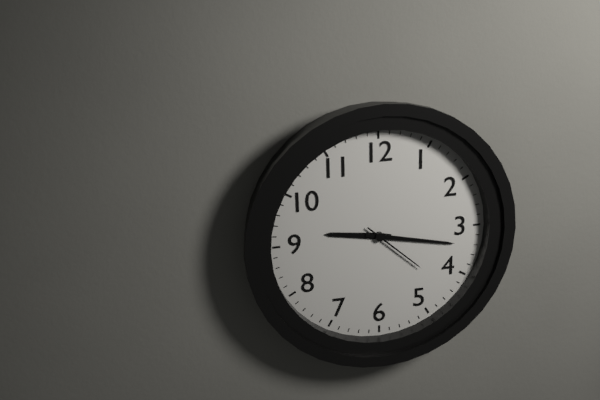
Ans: 9:17:22
